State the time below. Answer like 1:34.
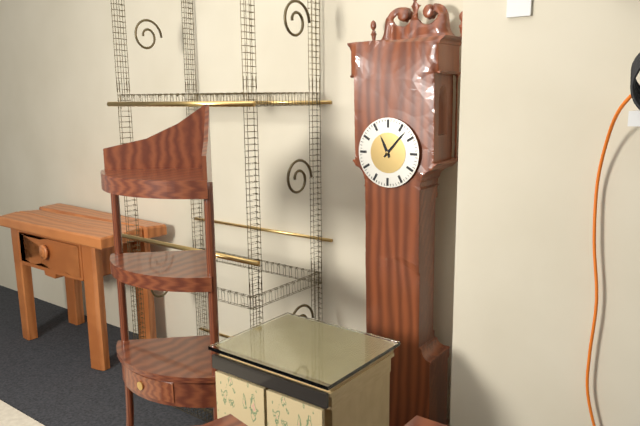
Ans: 11:07
